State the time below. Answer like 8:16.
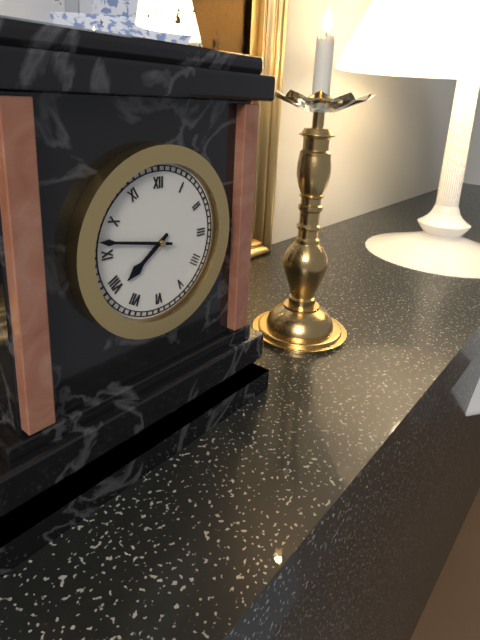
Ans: 7:47
